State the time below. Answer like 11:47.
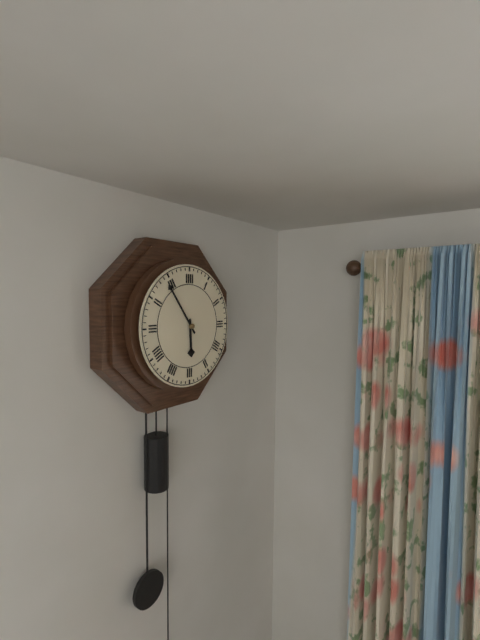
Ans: 5:54
